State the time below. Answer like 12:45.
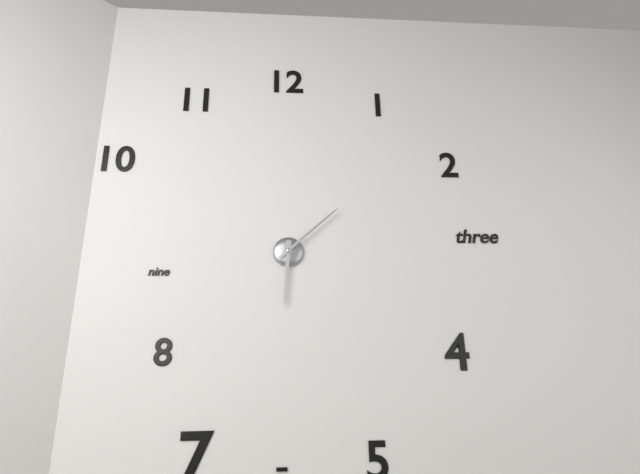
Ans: 6:08
